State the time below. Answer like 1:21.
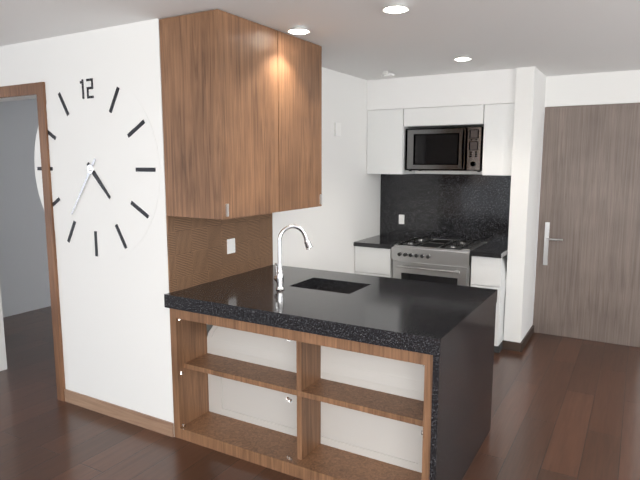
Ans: 4:36
